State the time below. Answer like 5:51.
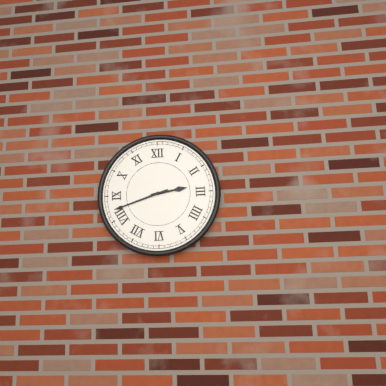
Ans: 2:42
